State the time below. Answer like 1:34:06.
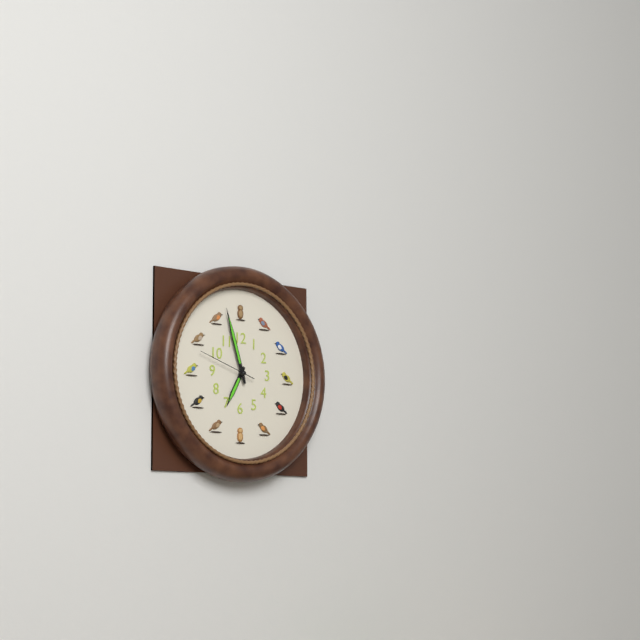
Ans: 6:57:48
